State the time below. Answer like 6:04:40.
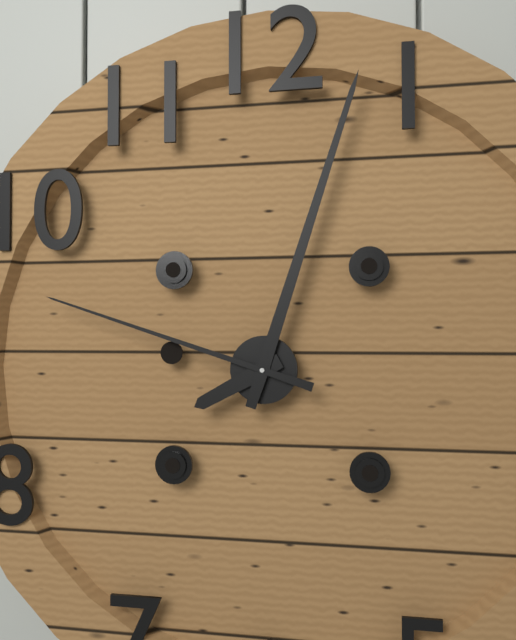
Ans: 8:03:48
